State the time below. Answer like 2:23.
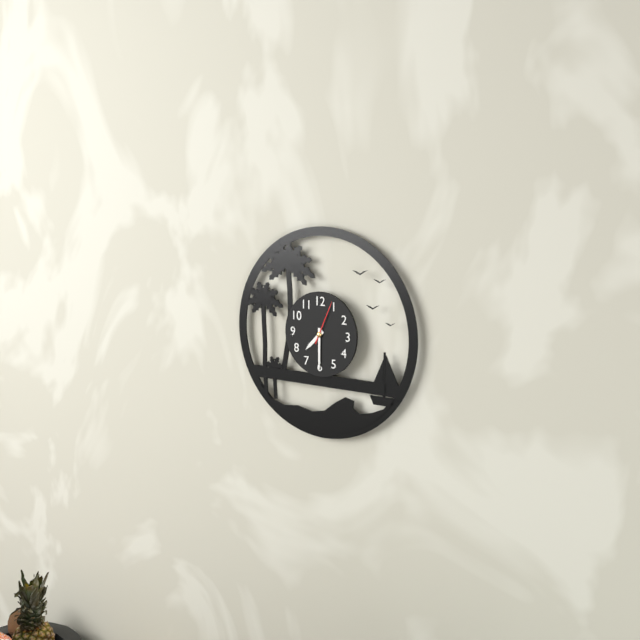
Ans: 7:30
